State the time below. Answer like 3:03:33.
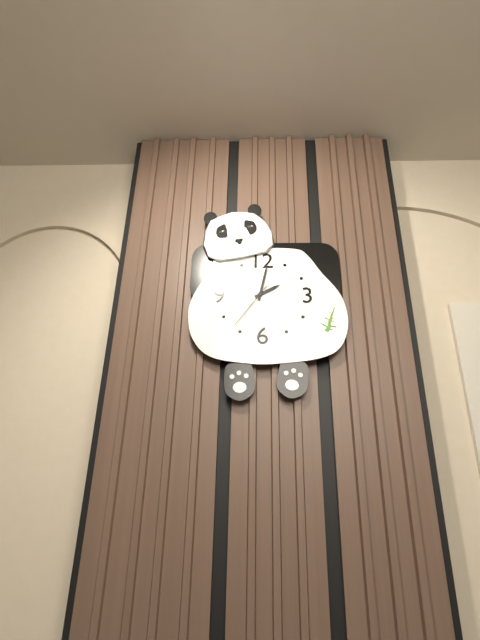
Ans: 2:02:36
